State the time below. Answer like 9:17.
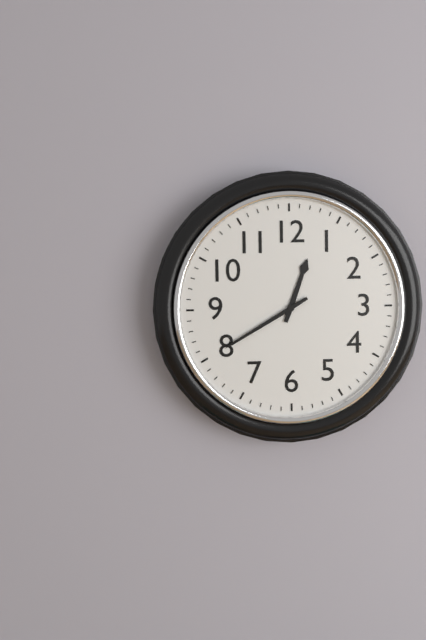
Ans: 12:40
